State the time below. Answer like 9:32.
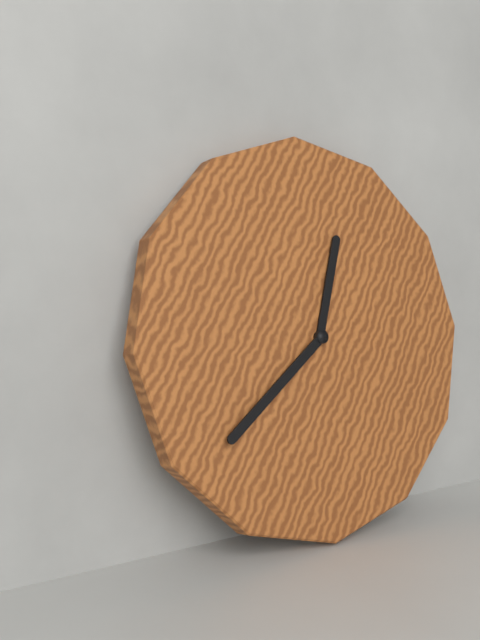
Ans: 12:39
